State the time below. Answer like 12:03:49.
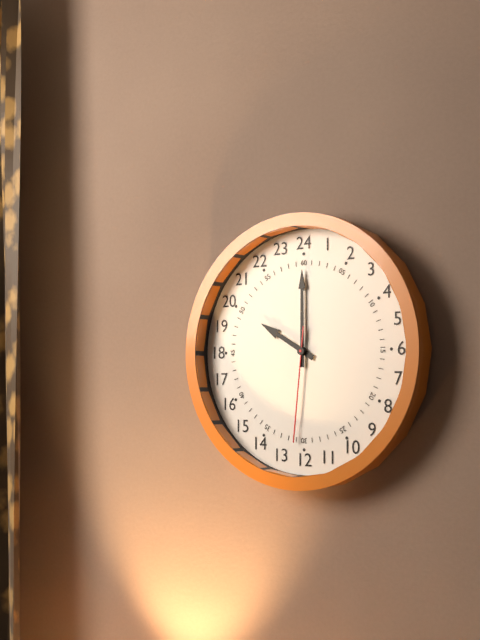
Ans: 10:00:31
